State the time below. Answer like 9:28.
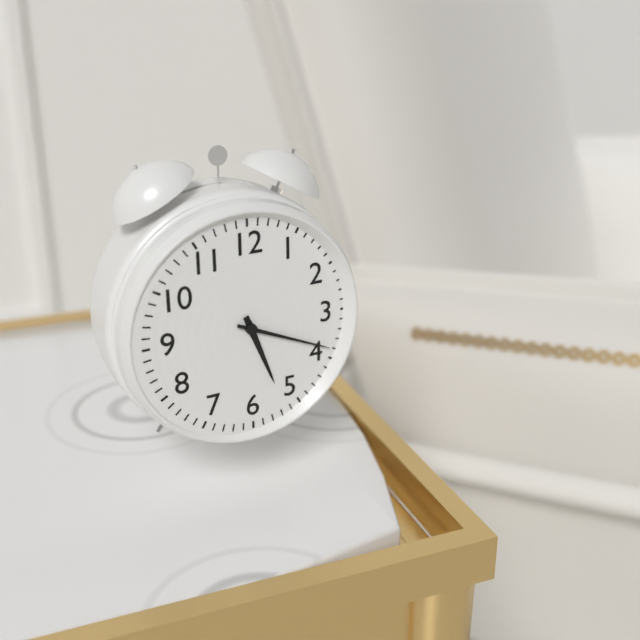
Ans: 5:19
